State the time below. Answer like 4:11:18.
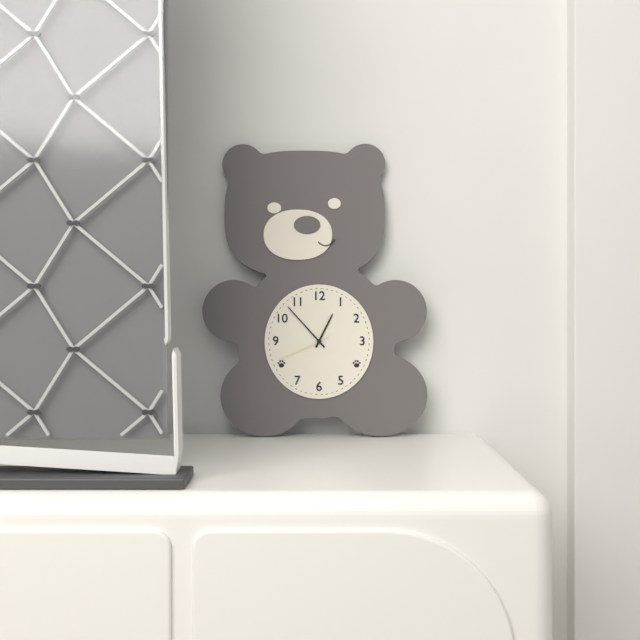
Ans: 12:53:41
